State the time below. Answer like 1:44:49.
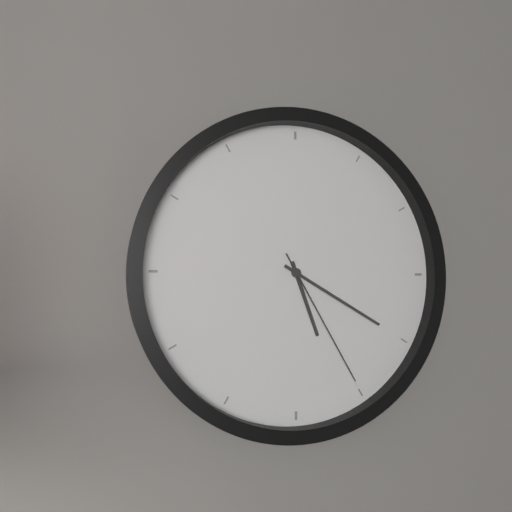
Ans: 5:20:25
